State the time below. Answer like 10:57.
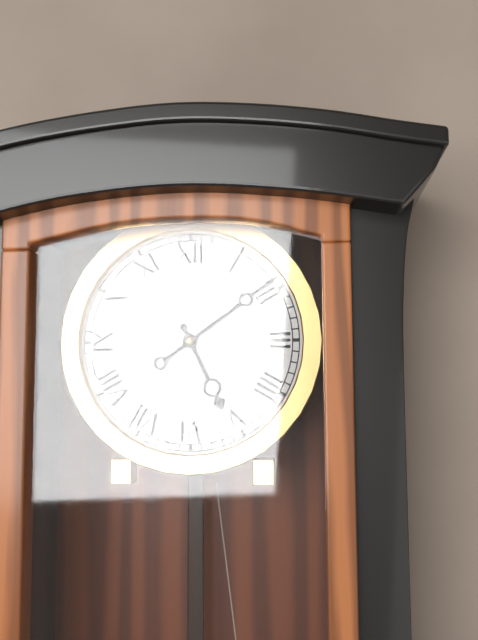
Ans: 5:09
